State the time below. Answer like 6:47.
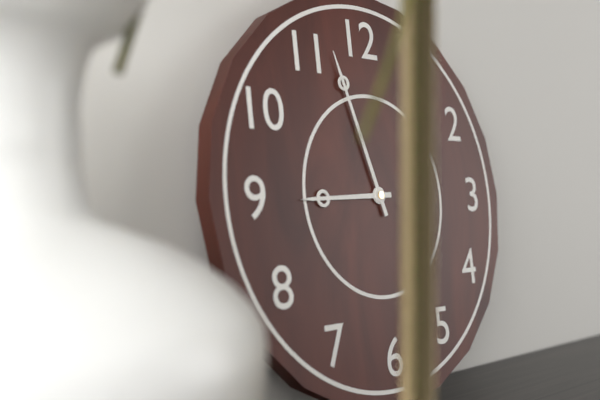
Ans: 8:57
